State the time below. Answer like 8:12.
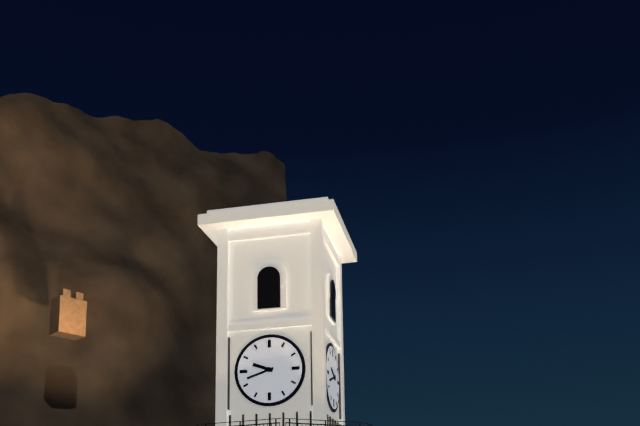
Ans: 9:42
